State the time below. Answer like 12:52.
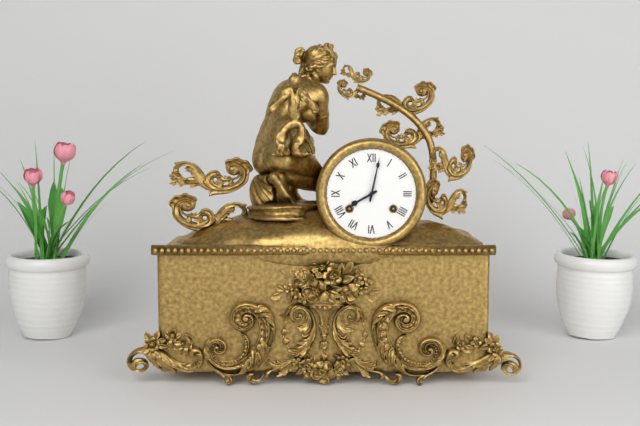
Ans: 8:02
